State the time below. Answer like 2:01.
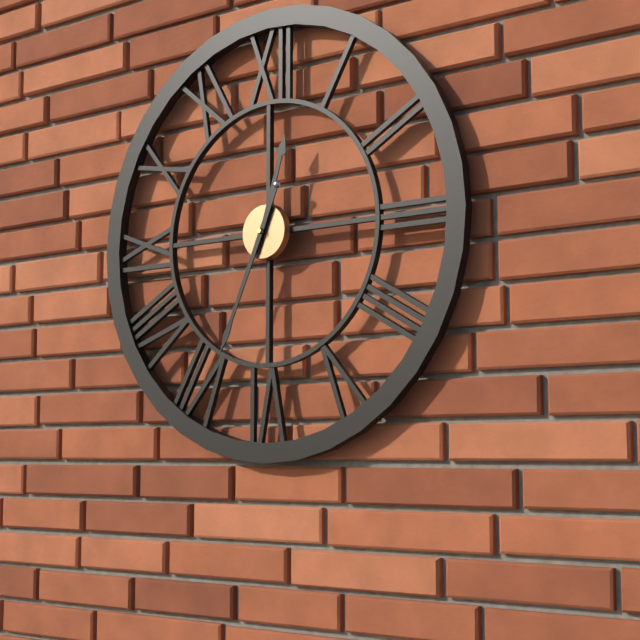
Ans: 12:34
